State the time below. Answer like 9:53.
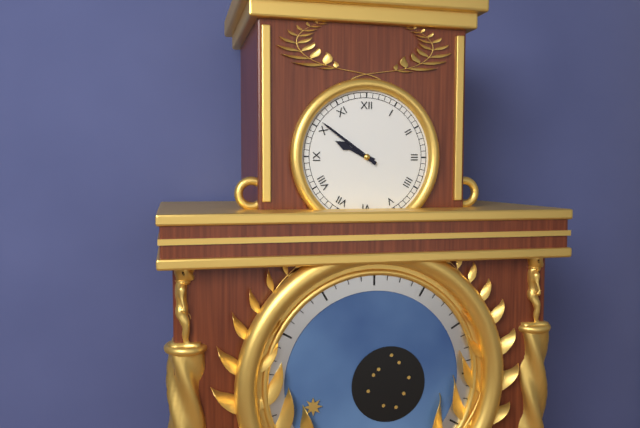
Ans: 9:51
